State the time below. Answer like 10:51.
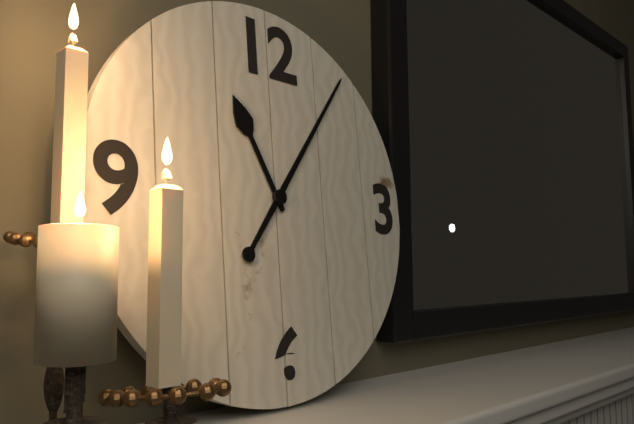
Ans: 11:06
